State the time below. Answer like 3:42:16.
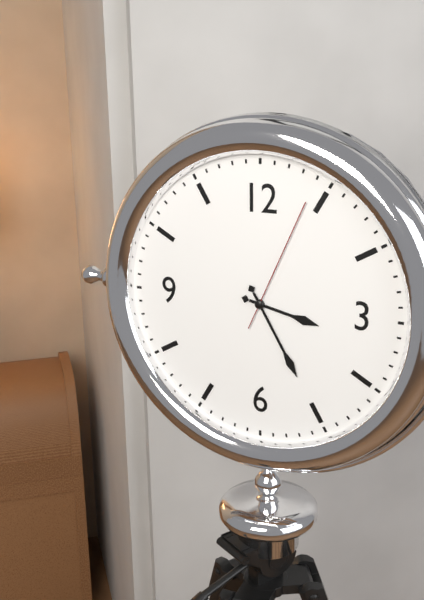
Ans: 3:25:04
